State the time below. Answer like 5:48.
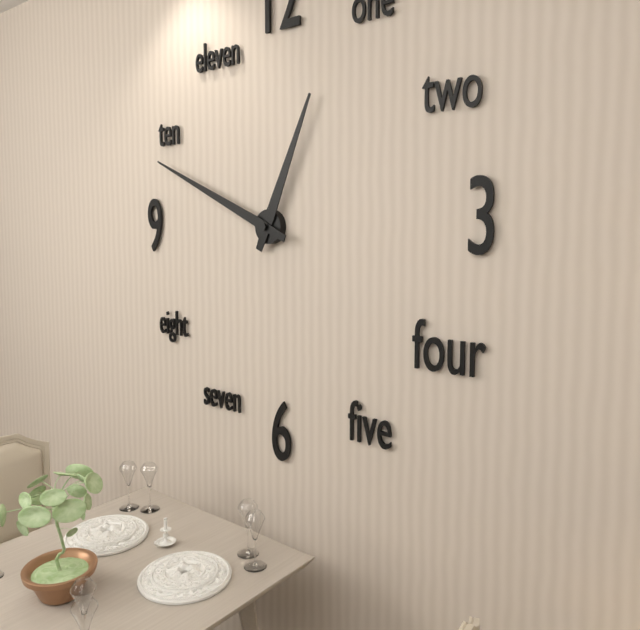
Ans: 12:49
